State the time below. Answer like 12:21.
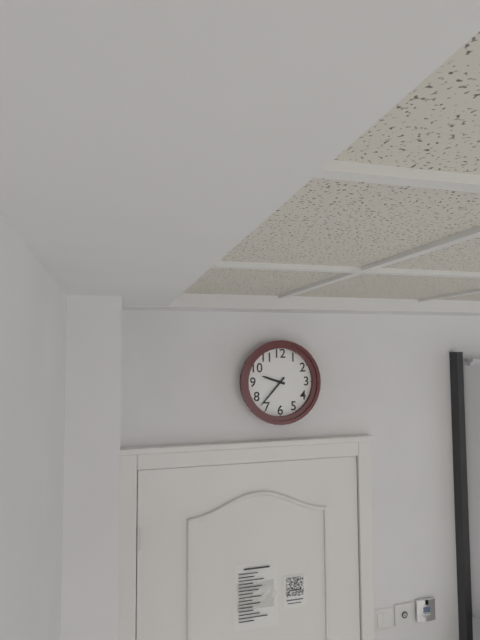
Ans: 9:37
